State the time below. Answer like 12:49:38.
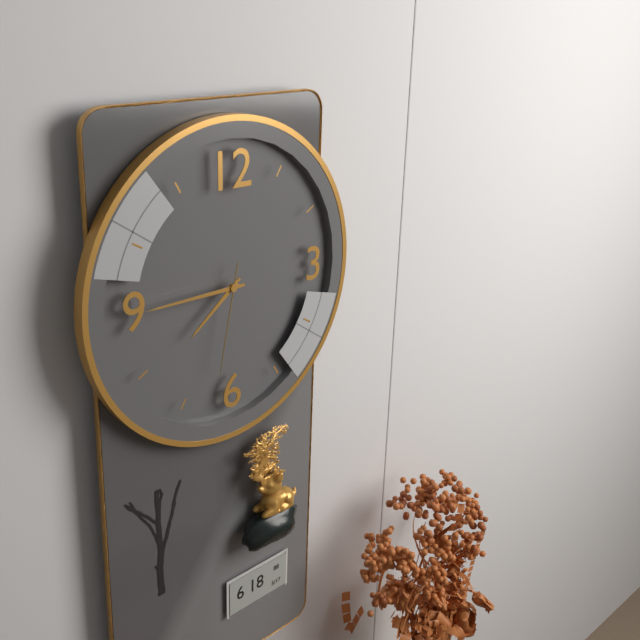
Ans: 7:45:32
